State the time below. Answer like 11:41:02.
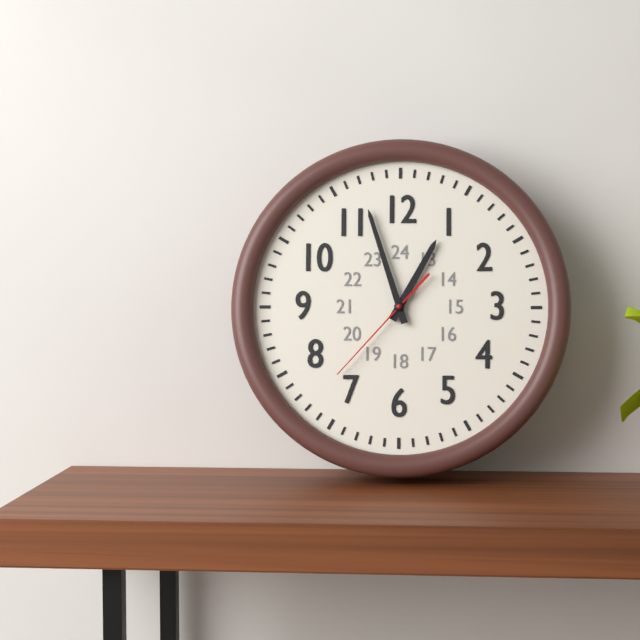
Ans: 12:57:37
